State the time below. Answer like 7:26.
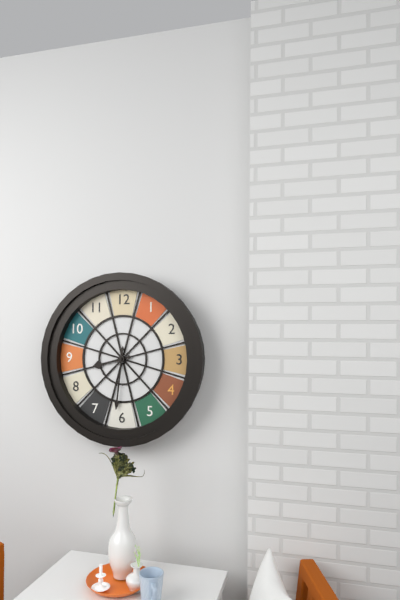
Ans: 8:31
